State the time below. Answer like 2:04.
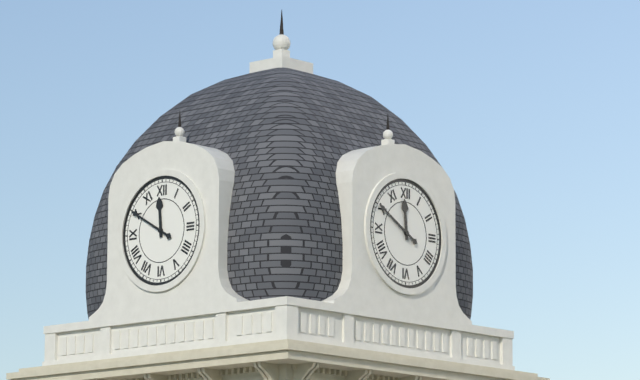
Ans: 11:50
